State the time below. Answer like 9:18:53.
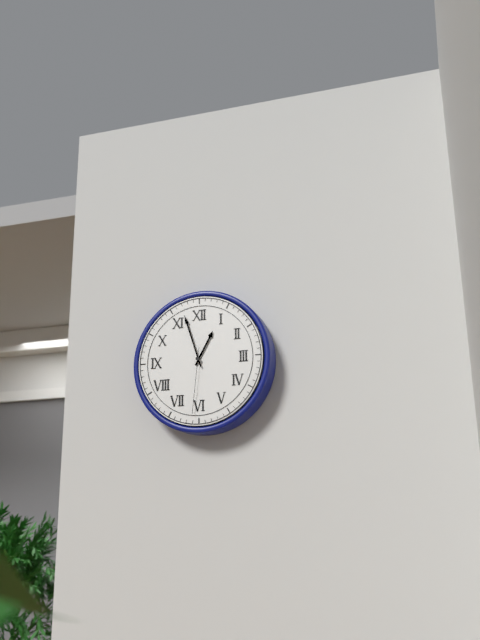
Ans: 12:57:31
